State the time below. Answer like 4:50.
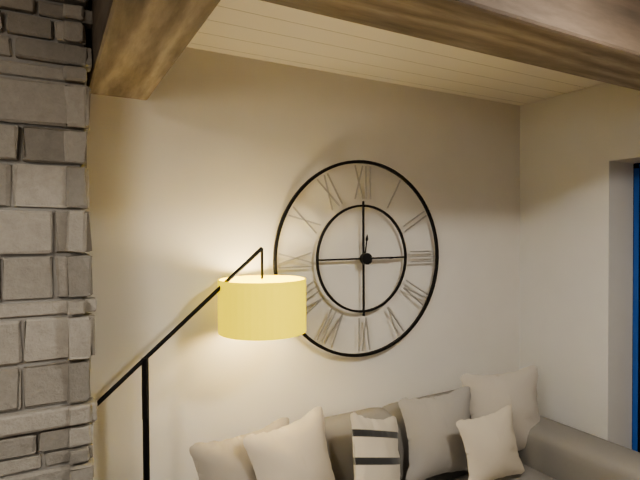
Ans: 12:15
